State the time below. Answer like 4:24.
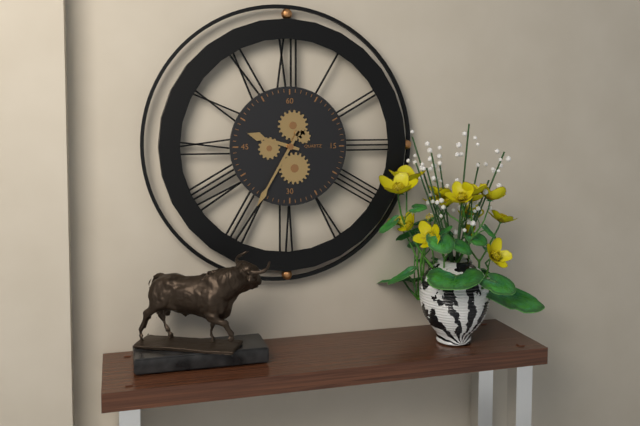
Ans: 9:35
